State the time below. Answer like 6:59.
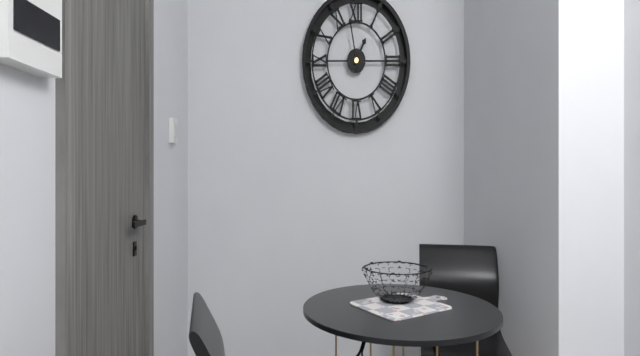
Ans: 12:58
